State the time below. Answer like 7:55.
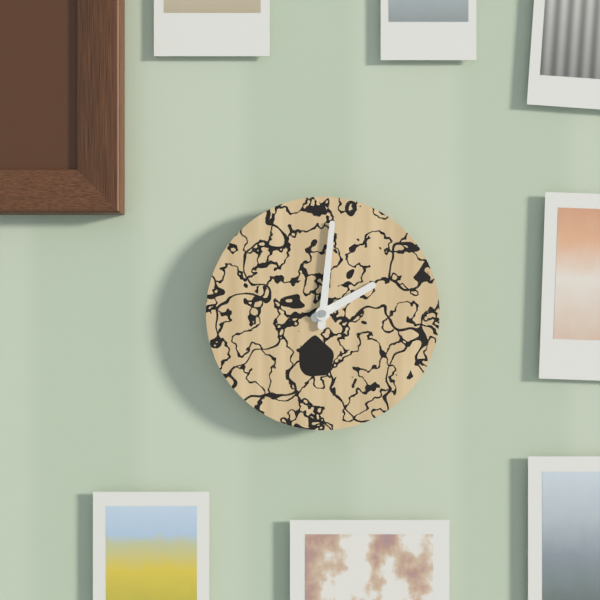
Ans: 2:01
